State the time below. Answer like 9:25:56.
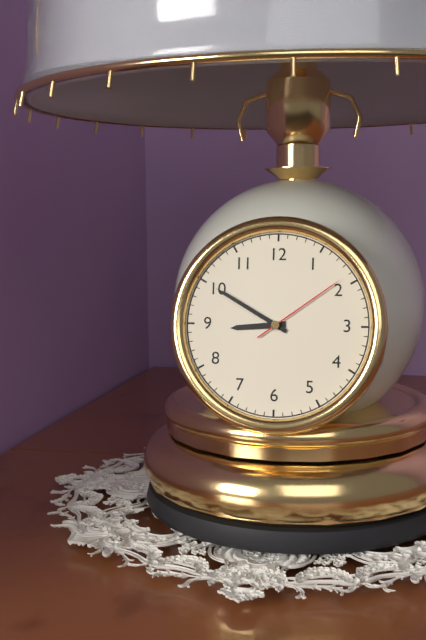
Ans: 8:50:09
